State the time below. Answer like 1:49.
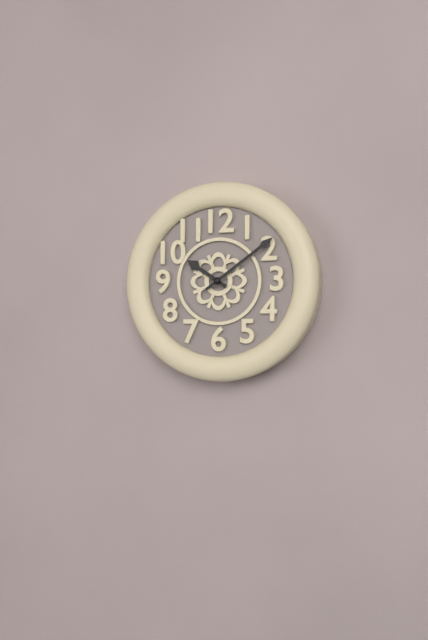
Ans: 10:09
